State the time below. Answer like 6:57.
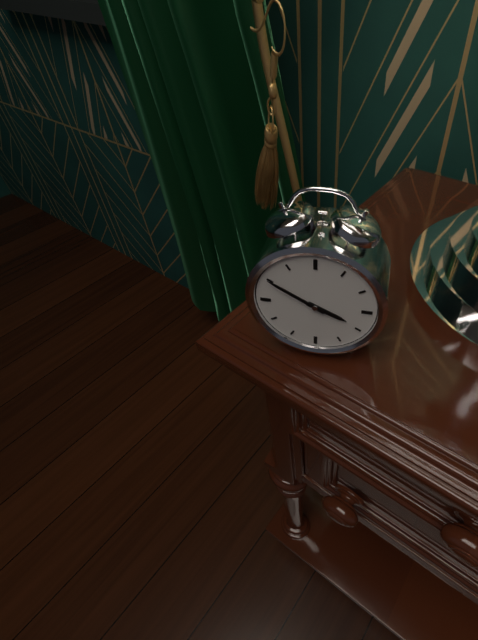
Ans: 3:50
